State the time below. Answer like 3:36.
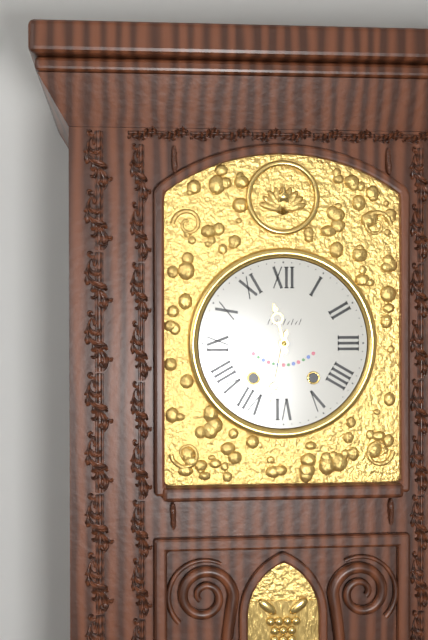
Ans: 11:32
